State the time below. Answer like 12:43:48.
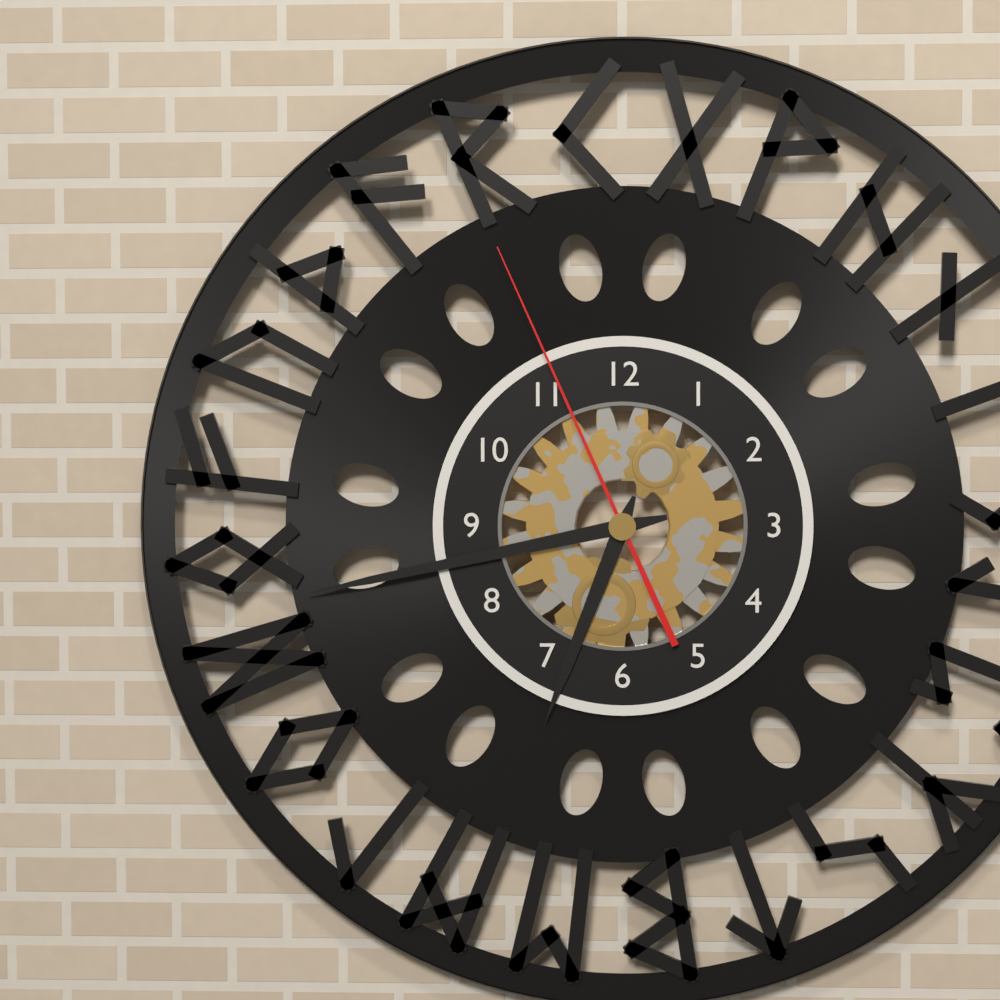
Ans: 6:43:56
